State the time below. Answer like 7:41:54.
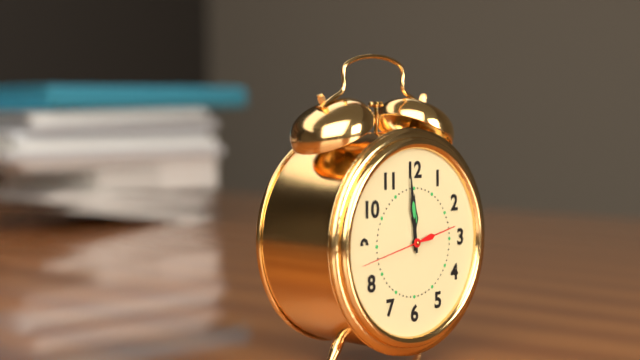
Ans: 11:59:43
